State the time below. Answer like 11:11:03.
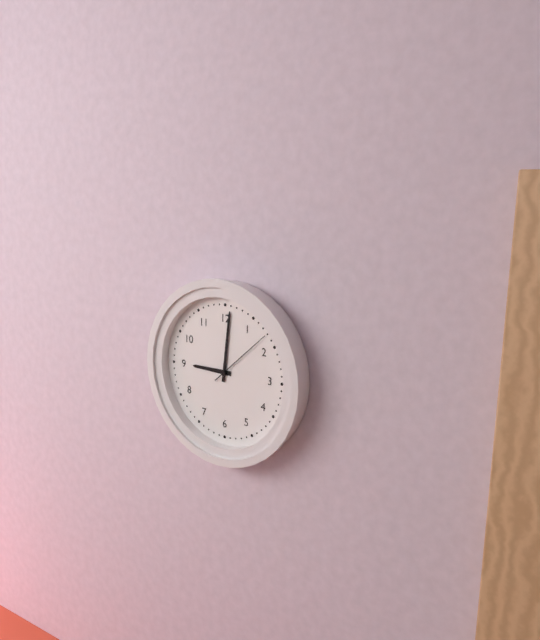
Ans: 9:01:08
